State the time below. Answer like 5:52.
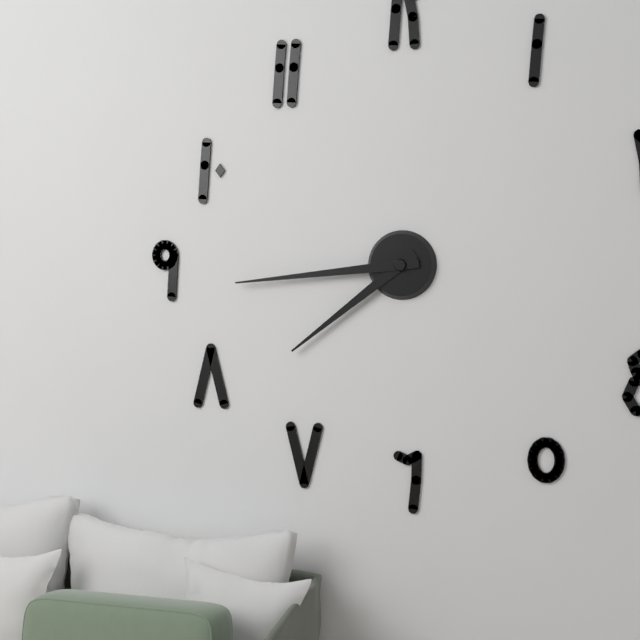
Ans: 7:44
